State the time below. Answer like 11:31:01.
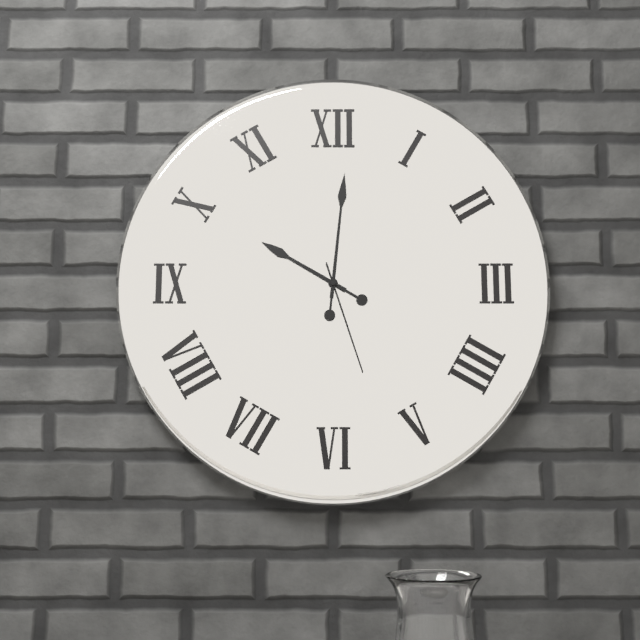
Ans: 10:01:27
